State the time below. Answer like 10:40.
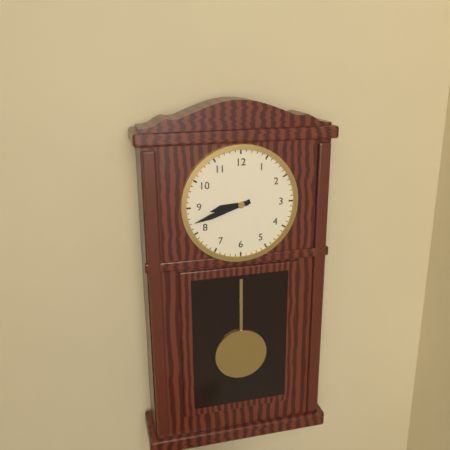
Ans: 8:42
